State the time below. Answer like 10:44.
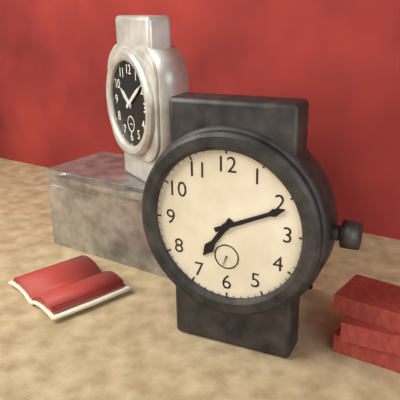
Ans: 7:11
